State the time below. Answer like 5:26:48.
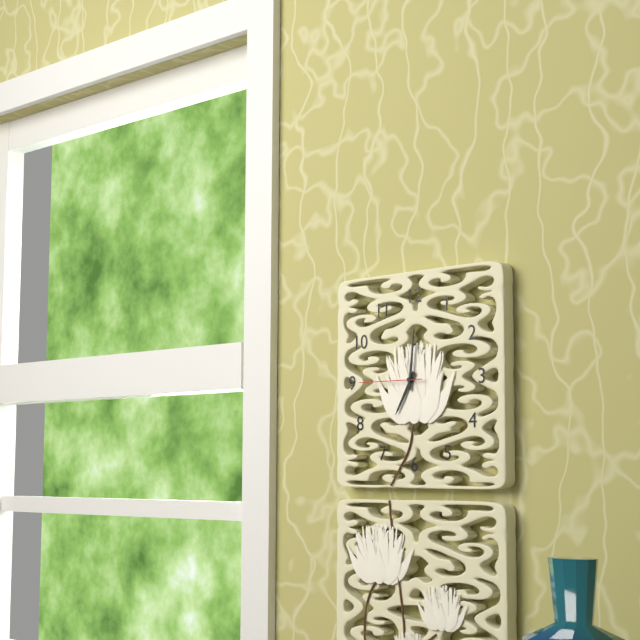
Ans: 7:01:45
